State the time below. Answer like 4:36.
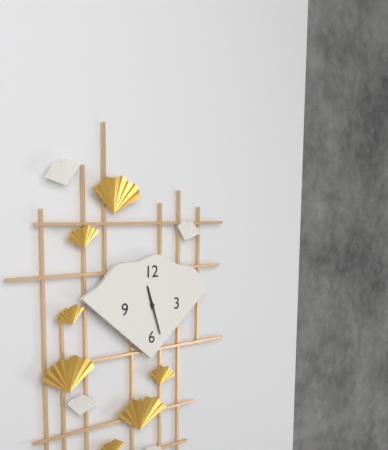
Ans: 11:27
